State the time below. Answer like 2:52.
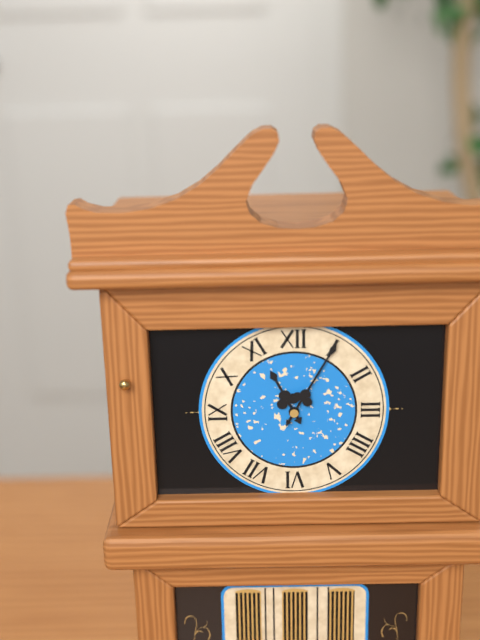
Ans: 11:05
